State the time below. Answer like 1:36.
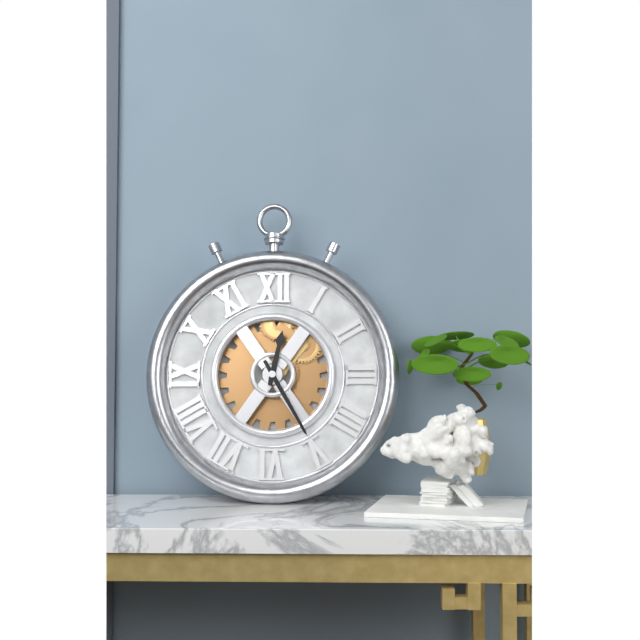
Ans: 12:25
